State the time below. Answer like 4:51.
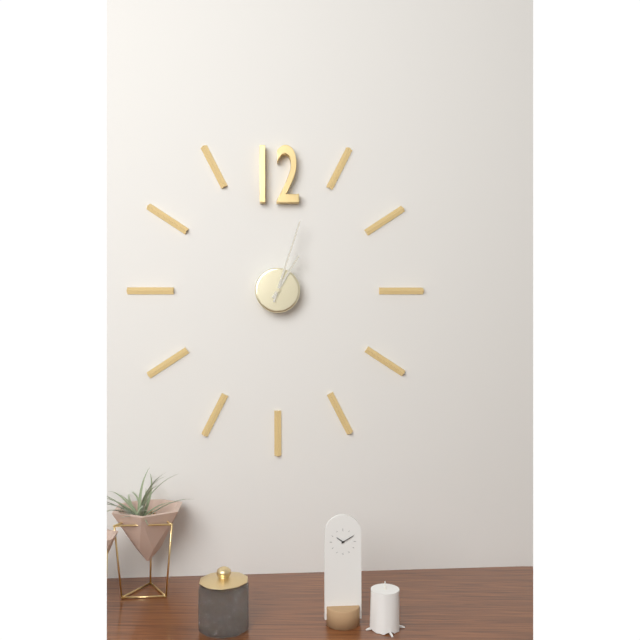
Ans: 1:03
